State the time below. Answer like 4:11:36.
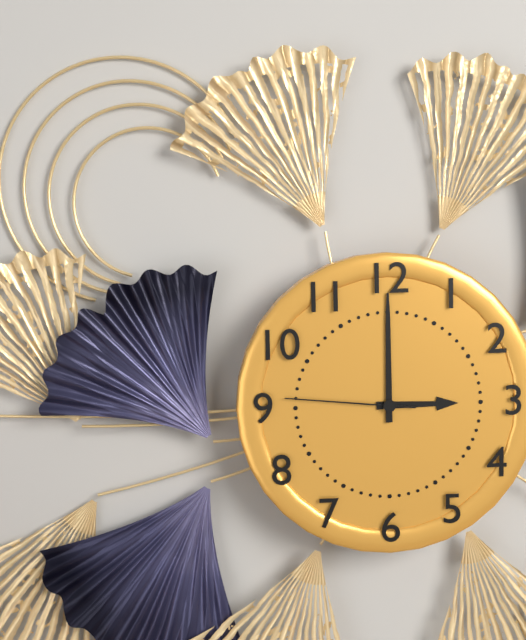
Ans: 3:00:46
